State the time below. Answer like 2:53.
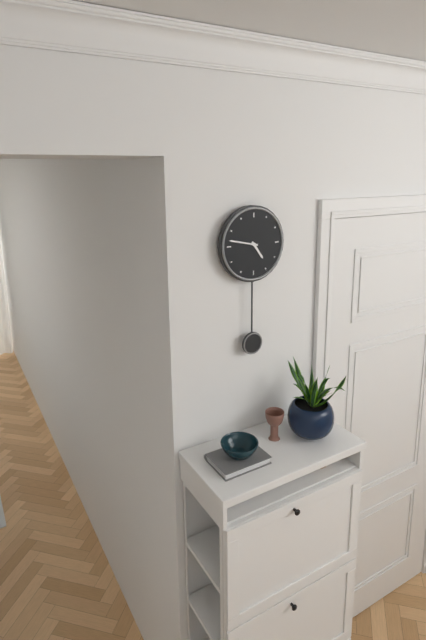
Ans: 4:47
